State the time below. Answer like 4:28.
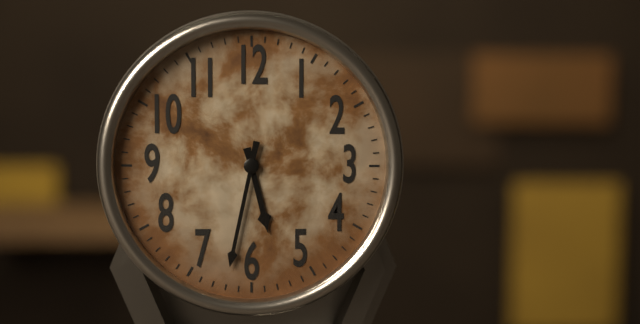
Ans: 5:32
